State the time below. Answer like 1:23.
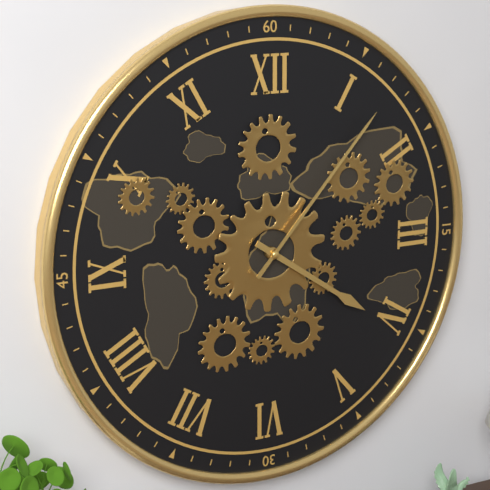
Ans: 4:07
